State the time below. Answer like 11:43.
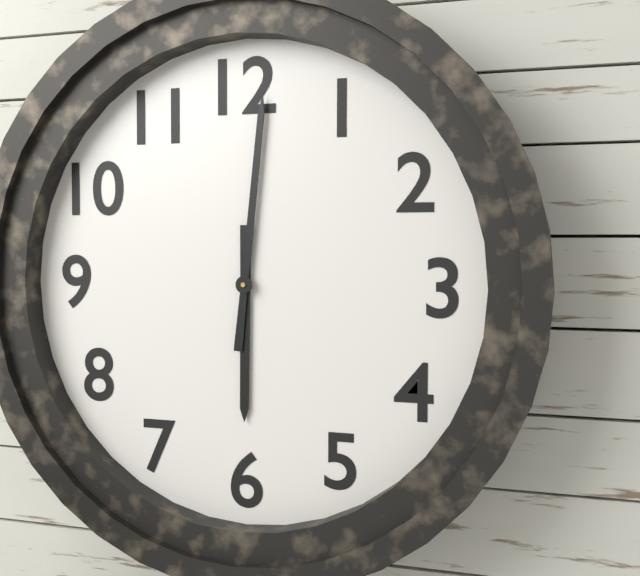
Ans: 6:01
